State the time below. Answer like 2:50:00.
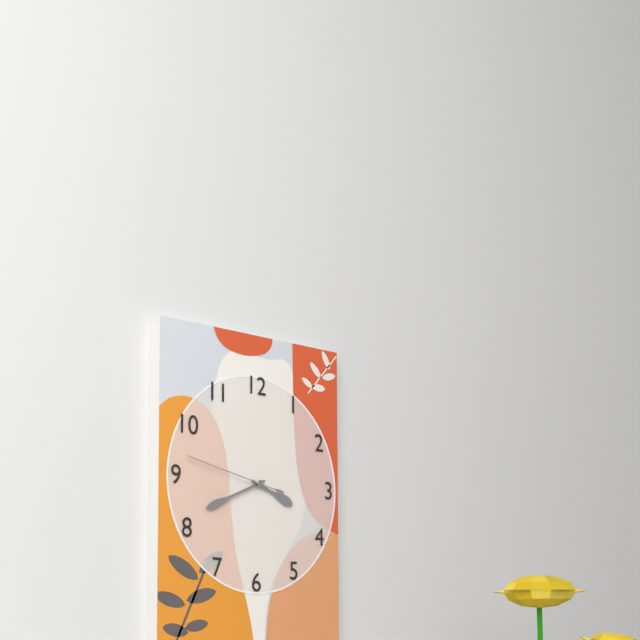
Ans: 3:41:47
